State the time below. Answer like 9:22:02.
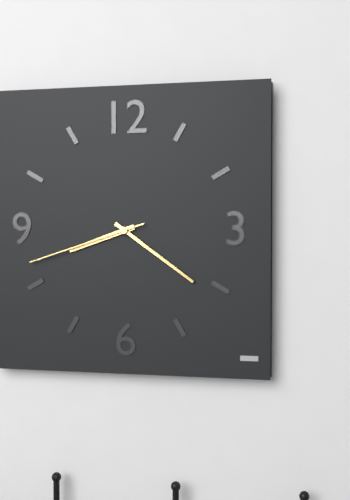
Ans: 8:21:42
